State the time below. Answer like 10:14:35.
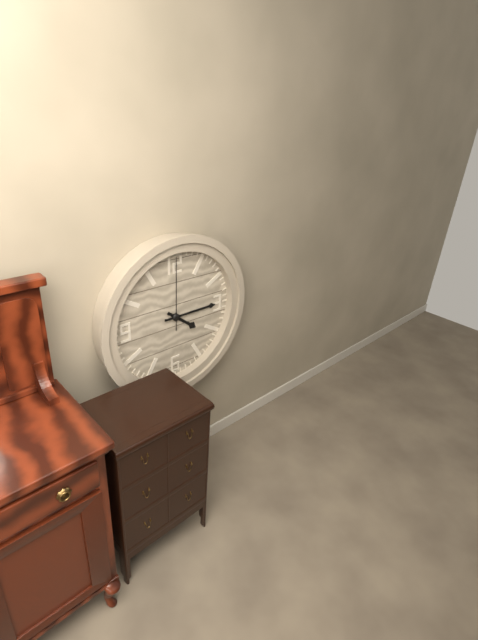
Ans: 4:15:00
